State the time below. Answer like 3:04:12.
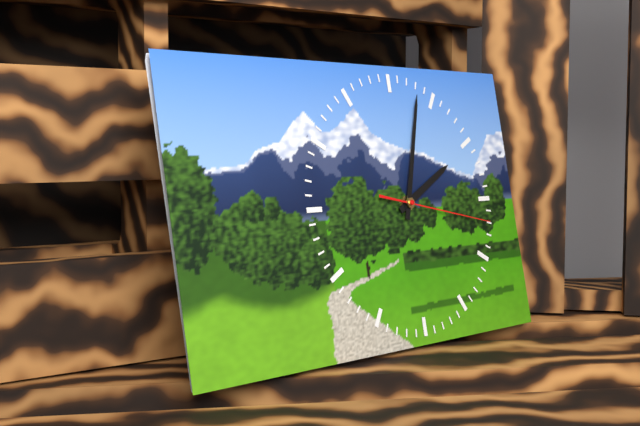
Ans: 2:03:17
